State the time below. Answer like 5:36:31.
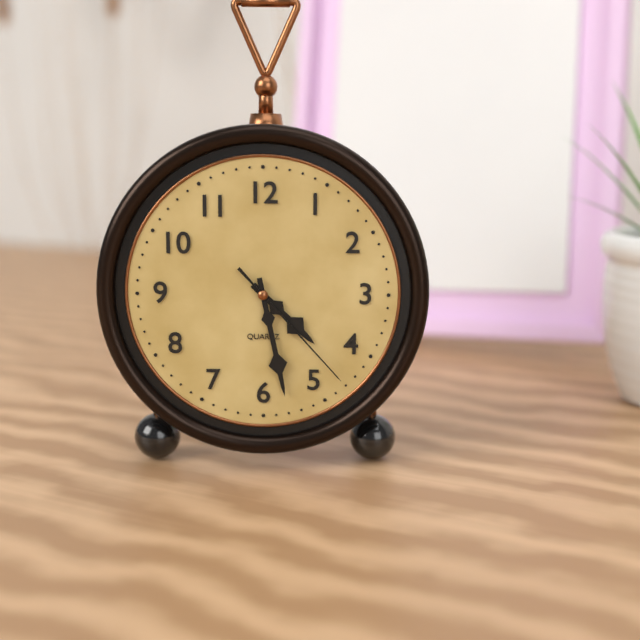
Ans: 4:28:23
